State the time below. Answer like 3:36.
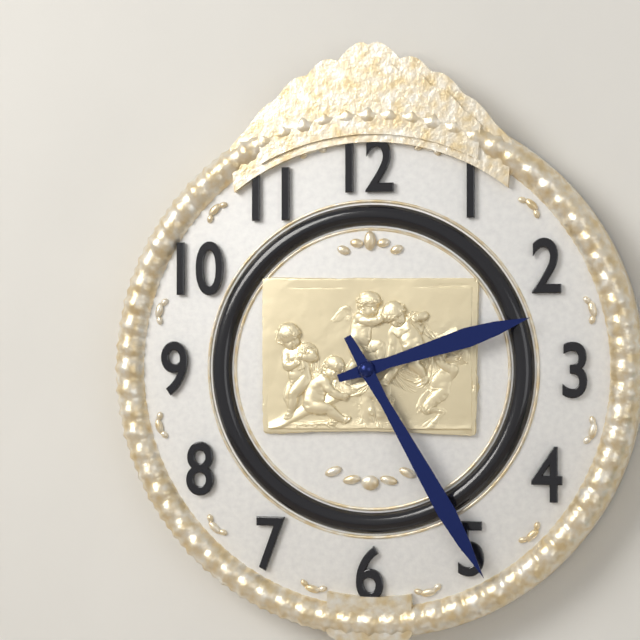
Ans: 2:25
